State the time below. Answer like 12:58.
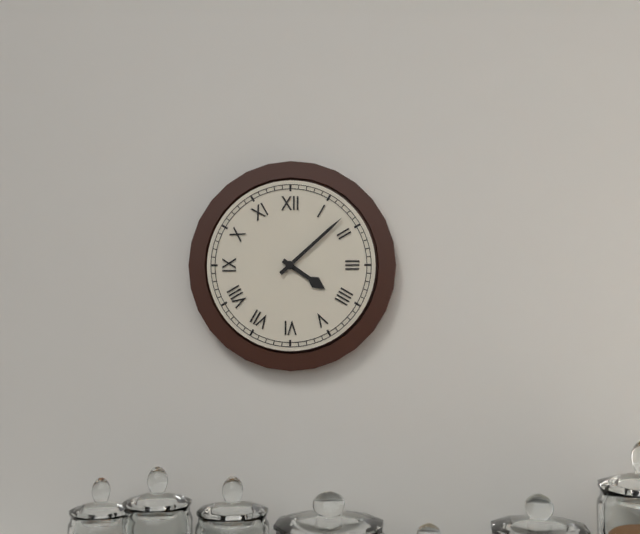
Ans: 4:08
